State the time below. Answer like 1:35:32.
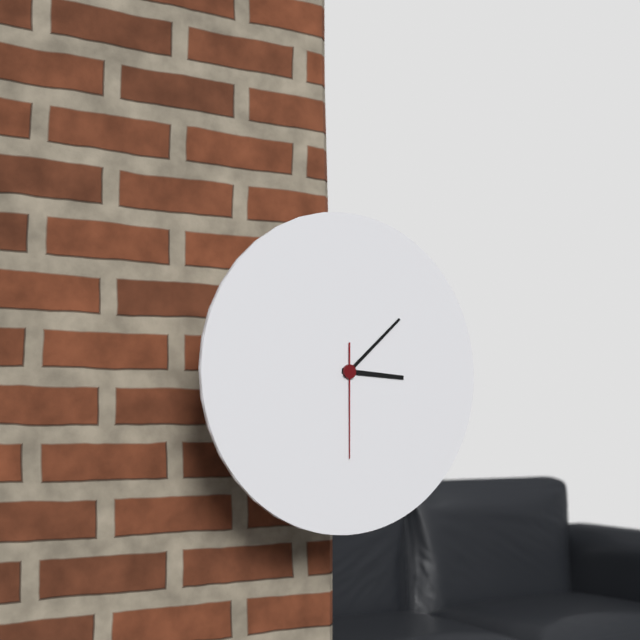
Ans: 3:08:30
